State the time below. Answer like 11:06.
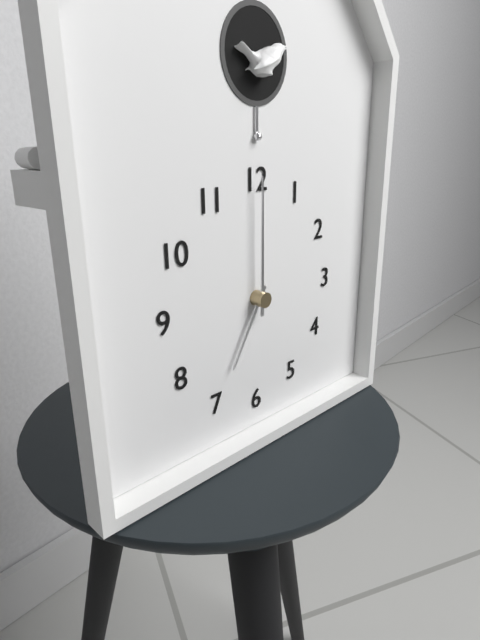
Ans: 7:00
